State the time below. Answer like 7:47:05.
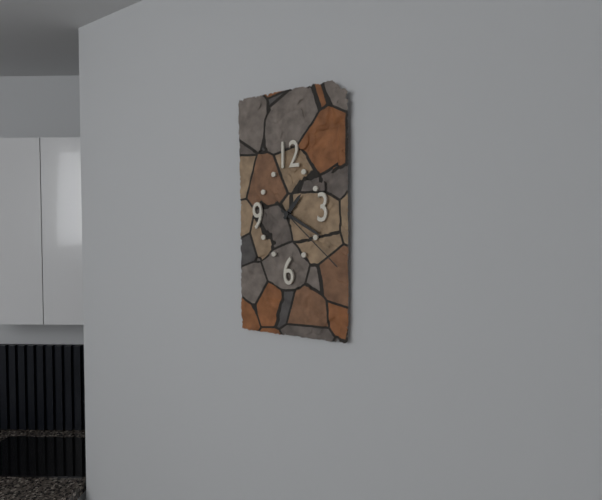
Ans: 1:20:22
